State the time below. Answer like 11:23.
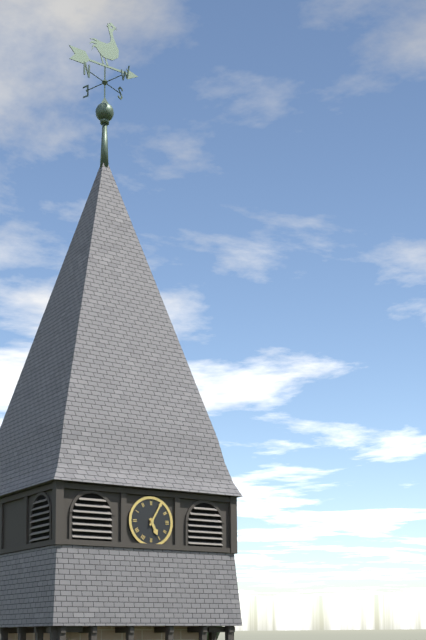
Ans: 5:05
